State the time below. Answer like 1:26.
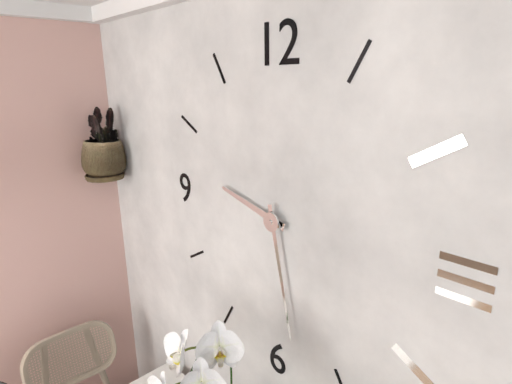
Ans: 9:28
